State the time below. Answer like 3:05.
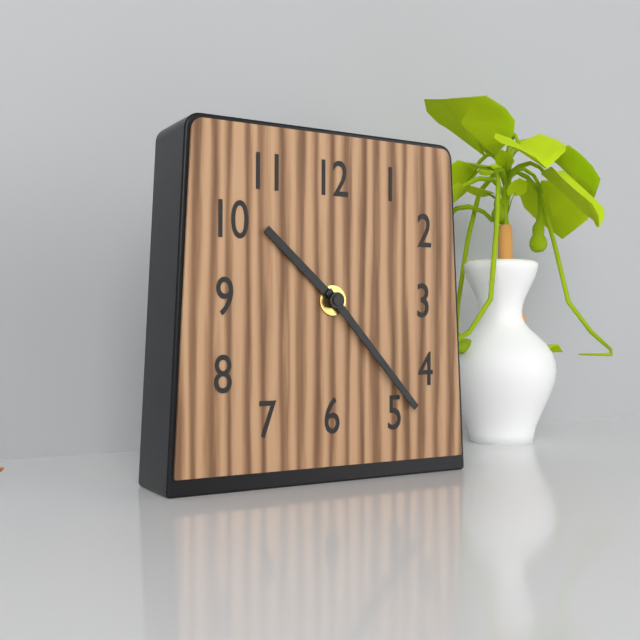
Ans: 10:23
